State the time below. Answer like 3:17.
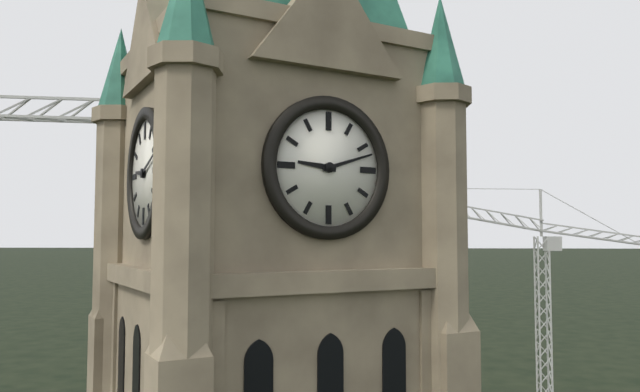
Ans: 9:12
